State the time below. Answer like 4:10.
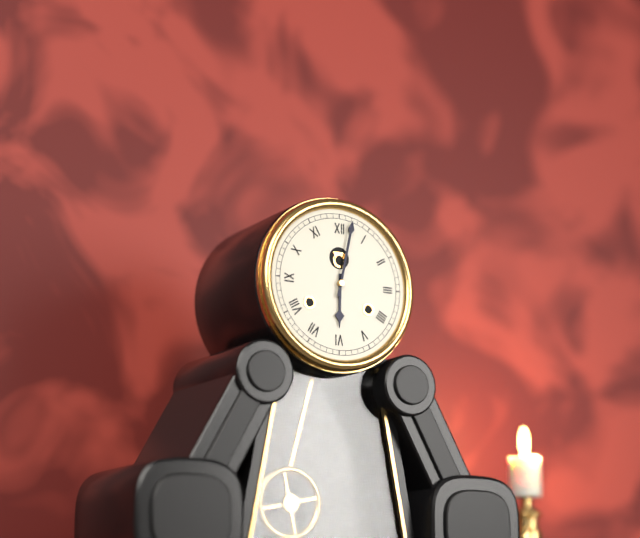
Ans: 6:02
